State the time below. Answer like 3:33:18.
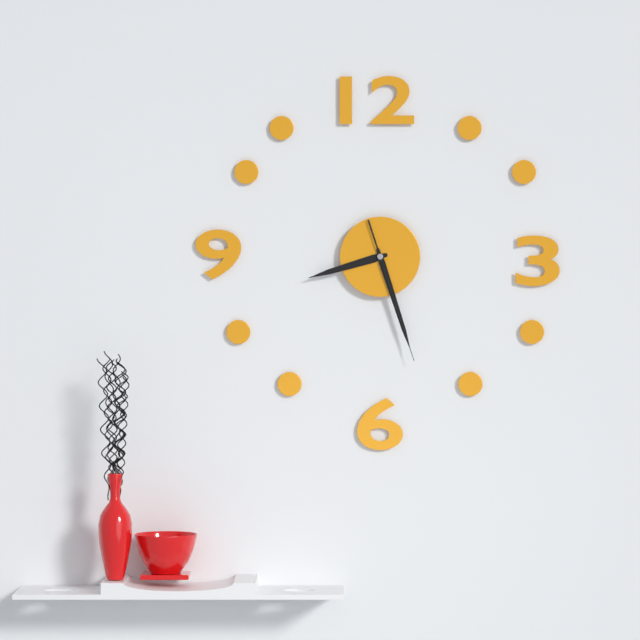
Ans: 8:27:27
